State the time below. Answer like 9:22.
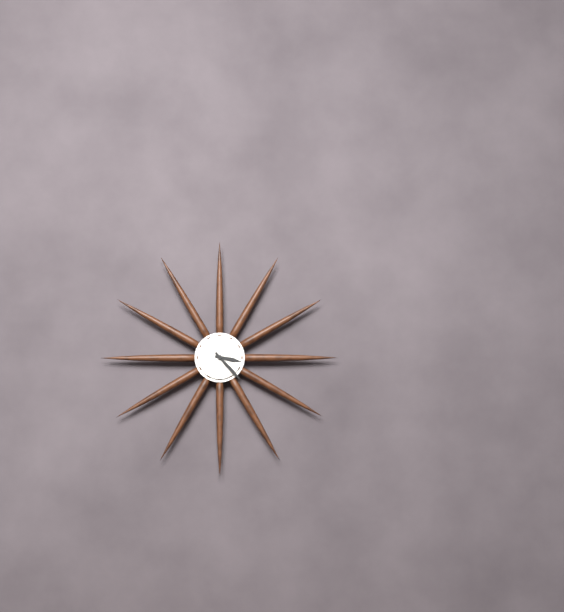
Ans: 3:23
